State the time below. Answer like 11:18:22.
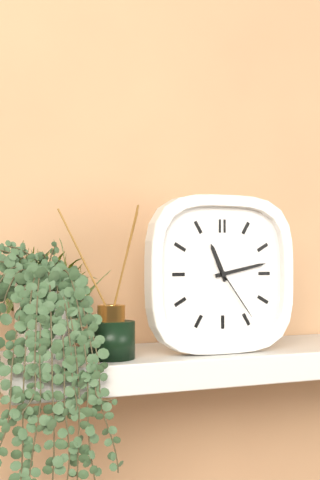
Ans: 11:13:24
